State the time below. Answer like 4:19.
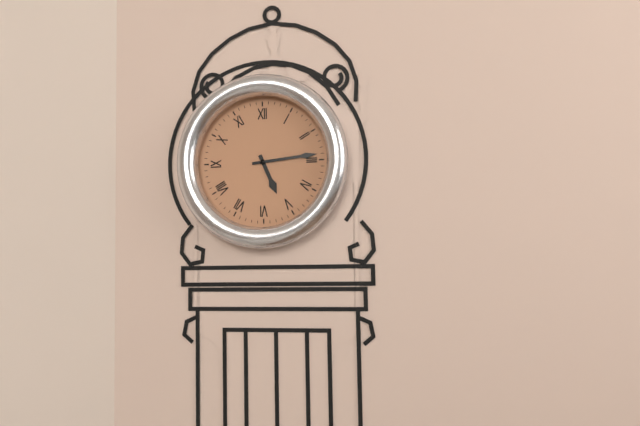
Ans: 5:14
